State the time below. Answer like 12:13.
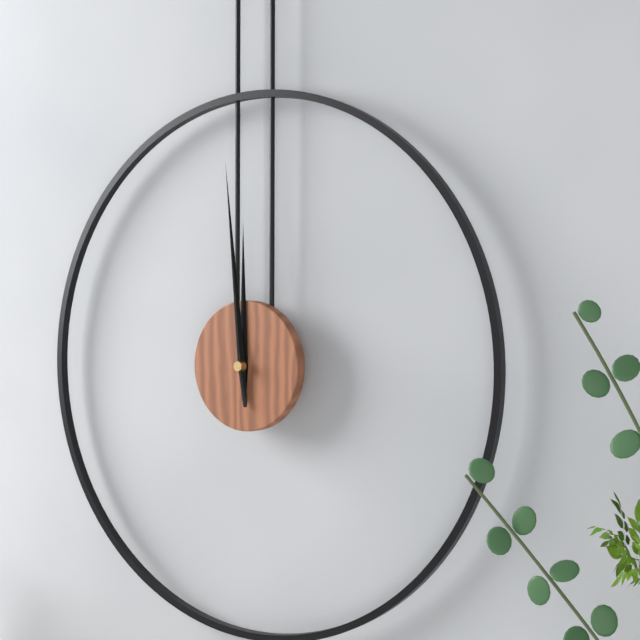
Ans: 11:59
